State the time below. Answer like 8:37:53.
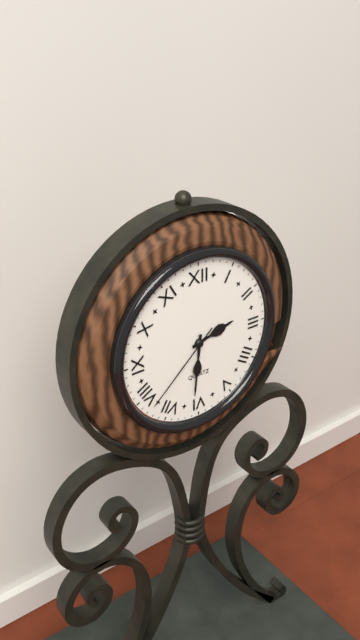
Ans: 2:31:38
